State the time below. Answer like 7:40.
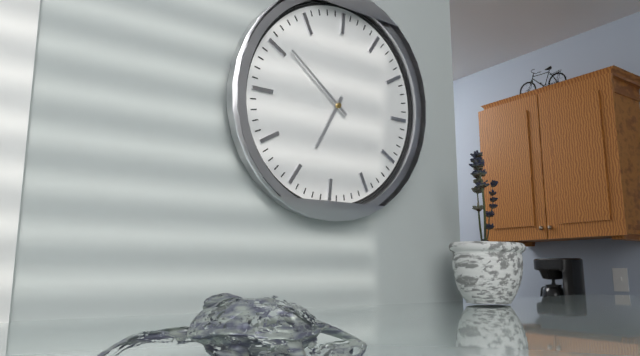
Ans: 6:51
